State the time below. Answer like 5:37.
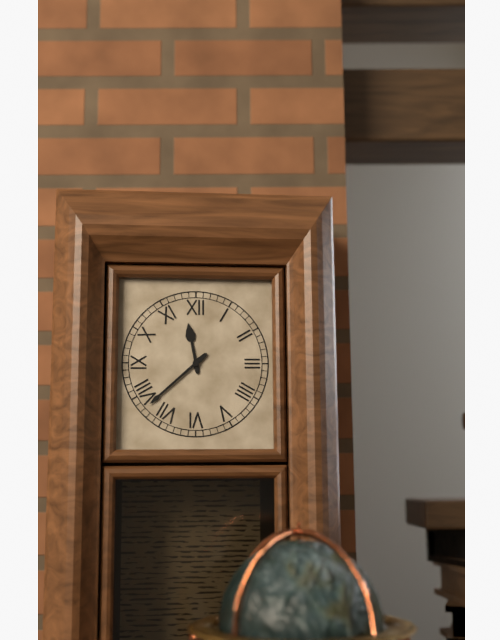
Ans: 11:38
